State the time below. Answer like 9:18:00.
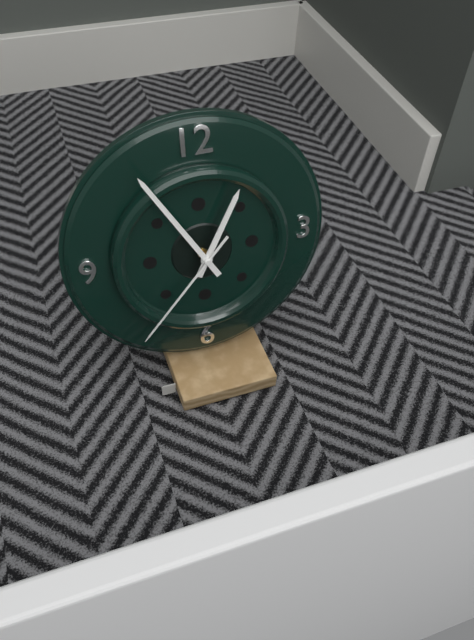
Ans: 12:55:37
